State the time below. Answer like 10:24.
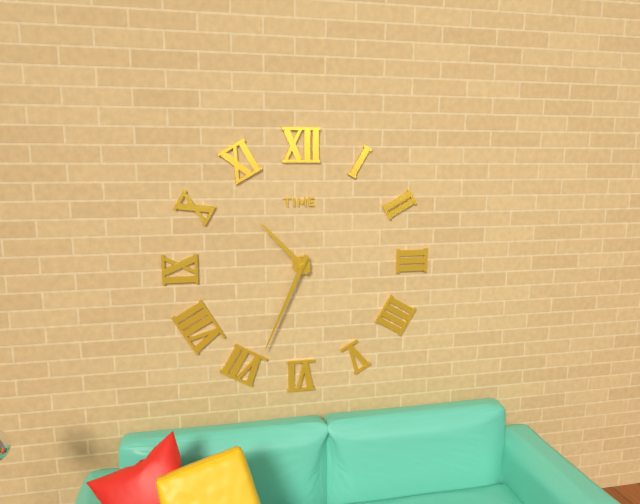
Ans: 10:34
